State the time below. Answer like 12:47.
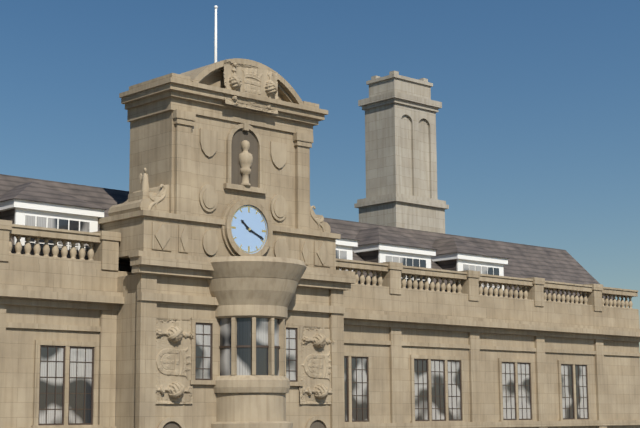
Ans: 10:19
